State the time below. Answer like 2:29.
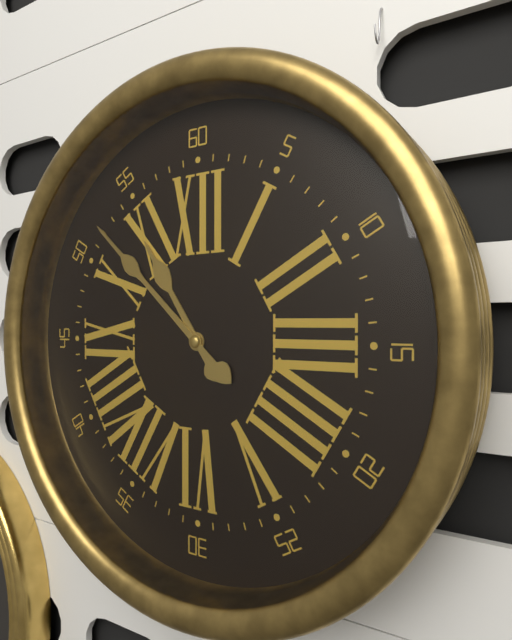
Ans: 10:52
